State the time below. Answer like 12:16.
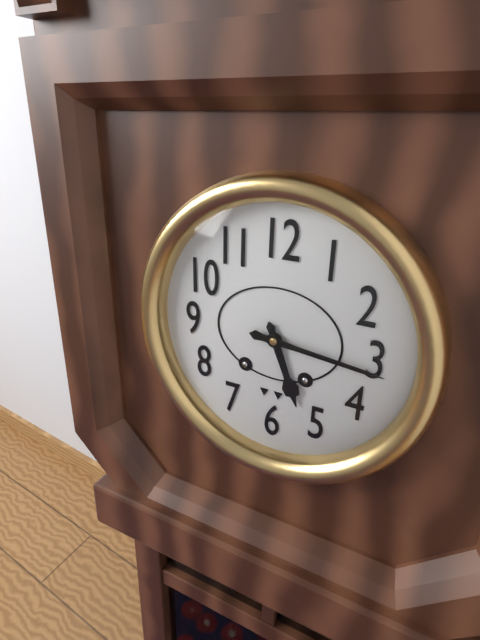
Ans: 5:16
